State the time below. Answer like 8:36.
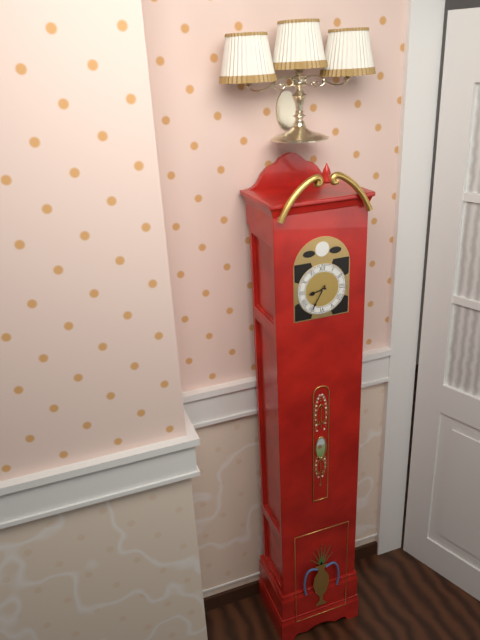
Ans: 8:35
